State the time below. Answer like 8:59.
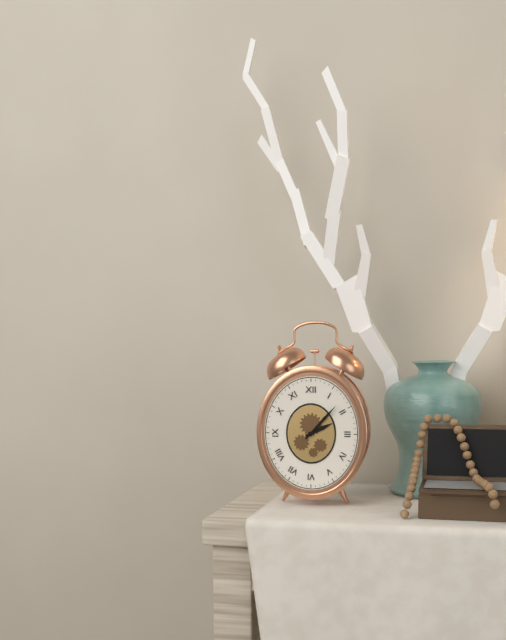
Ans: 2:07
